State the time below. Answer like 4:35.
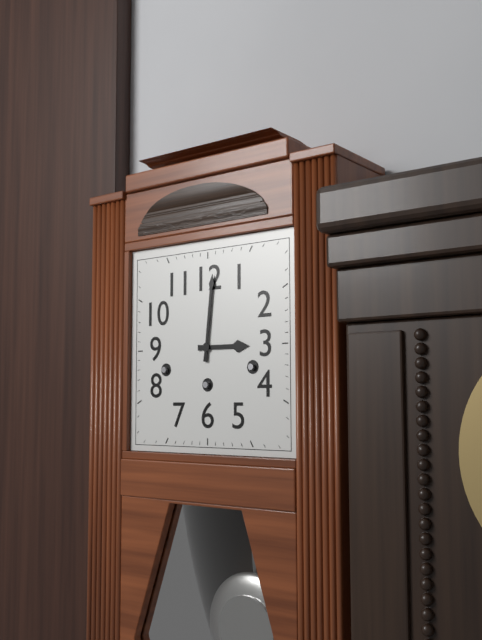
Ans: 3:01
